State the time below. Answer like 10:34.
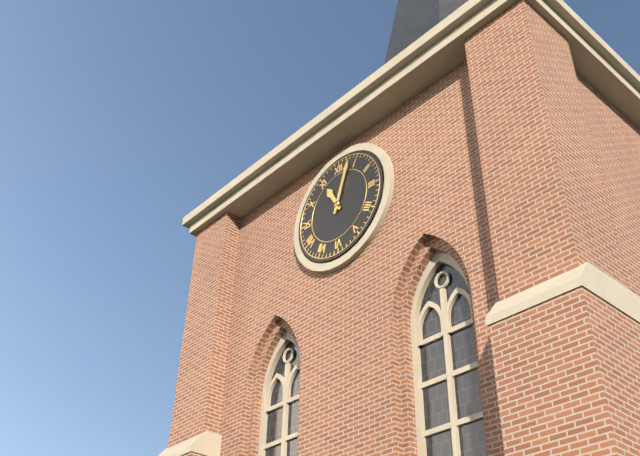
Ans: 11:03
